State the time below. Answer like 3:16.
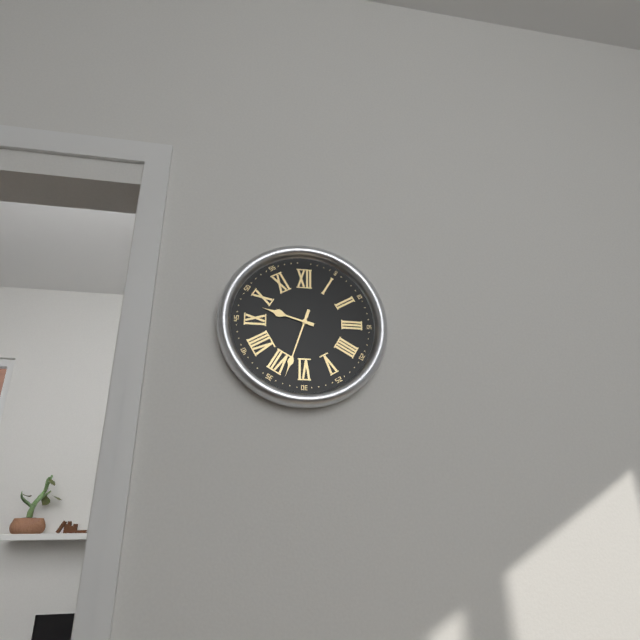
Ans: 9:33
